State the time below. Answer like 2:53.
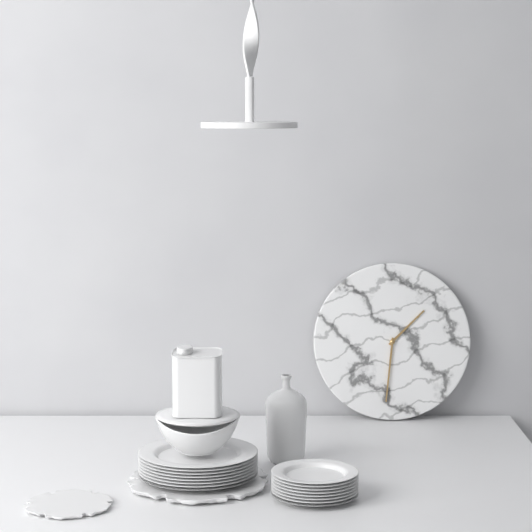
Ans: 1:31
